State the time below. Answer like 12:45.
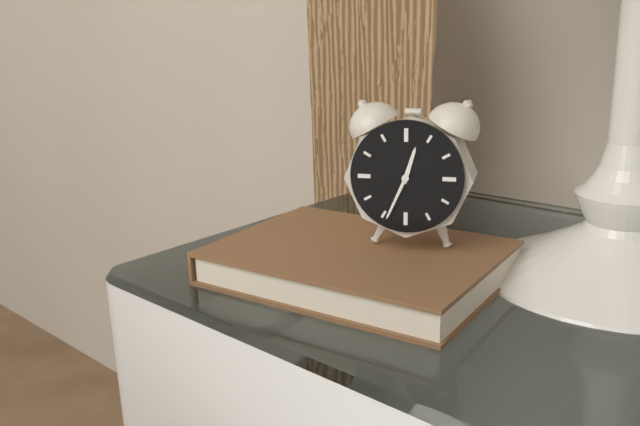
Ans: 12:34
